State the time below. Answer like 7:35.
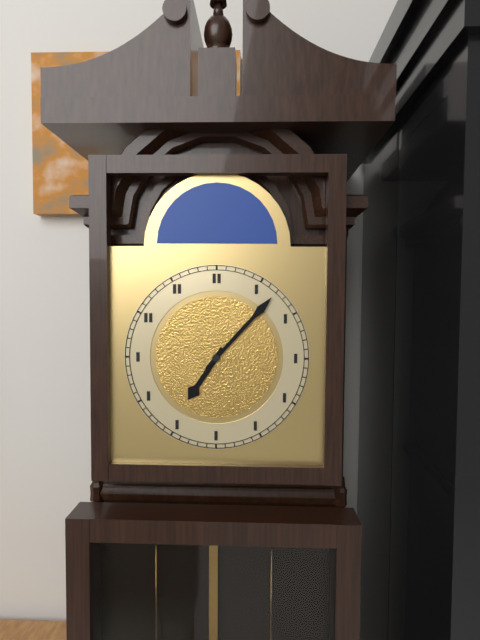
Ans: 7:07
